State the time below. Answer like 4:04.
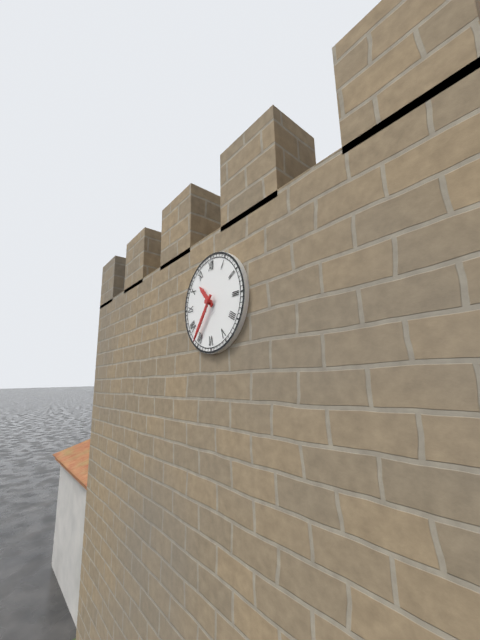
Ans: 10:36
